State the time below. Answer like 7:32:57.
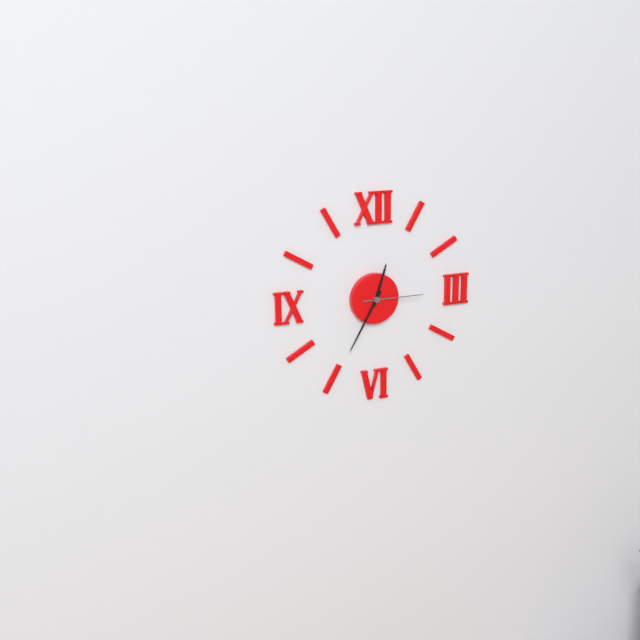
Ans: 12:35:15
